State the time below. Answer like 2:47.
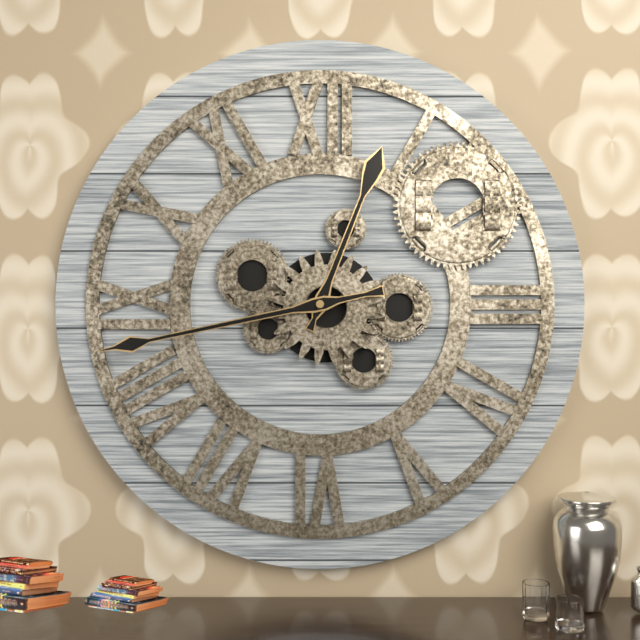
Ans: 12:43
